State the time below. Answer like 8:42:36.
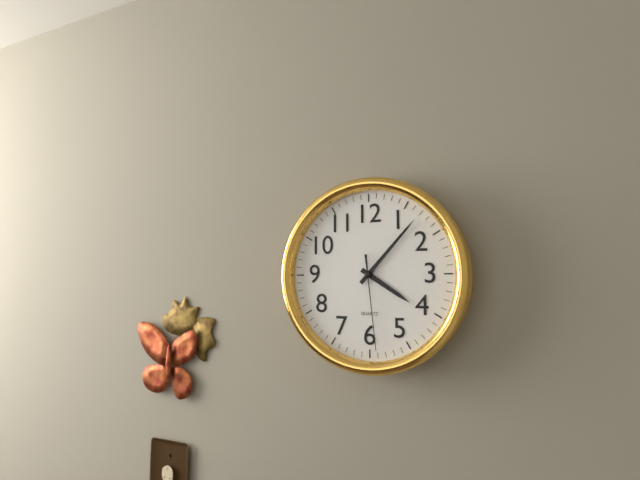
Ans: 4:07:29
